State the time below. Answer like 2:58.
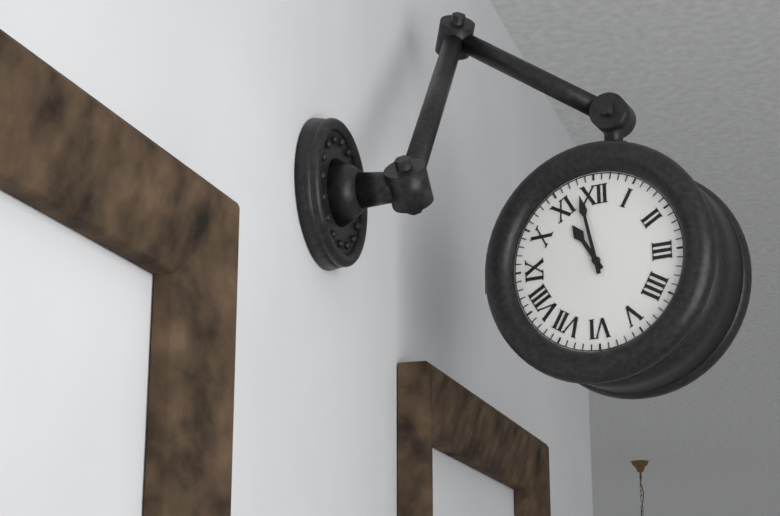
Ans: 10:58
